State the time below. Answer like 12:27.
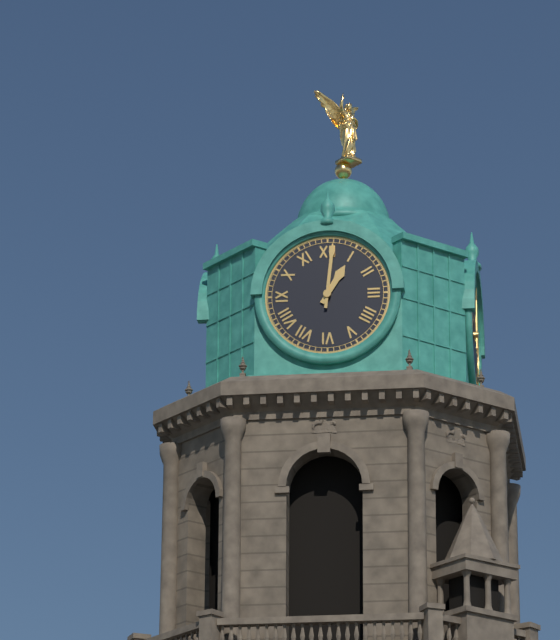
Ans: 1:01
